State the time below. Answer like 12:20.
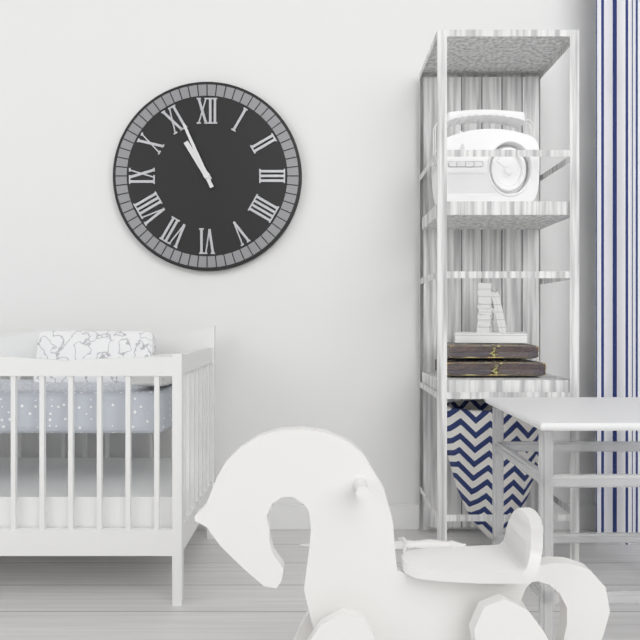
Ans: 10:56
